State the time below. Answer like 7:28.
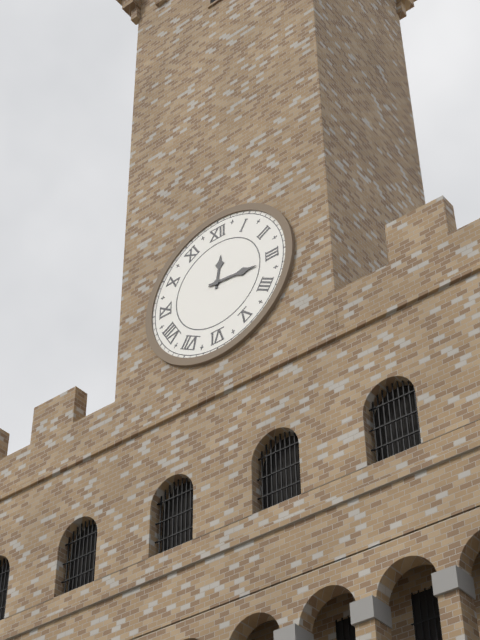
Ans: 12:16
